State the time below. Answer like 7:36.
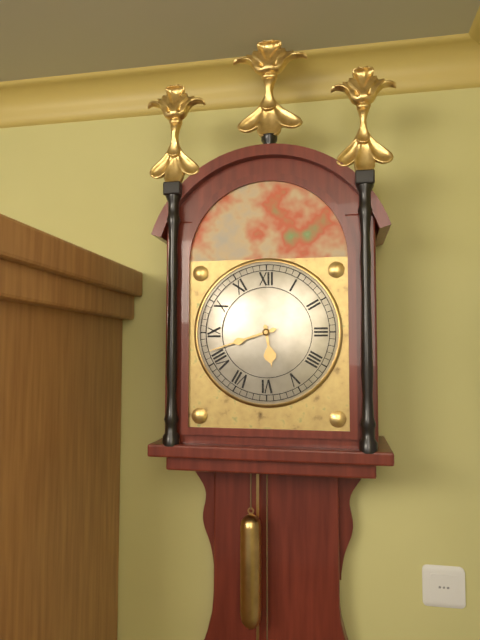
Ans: 5:42
